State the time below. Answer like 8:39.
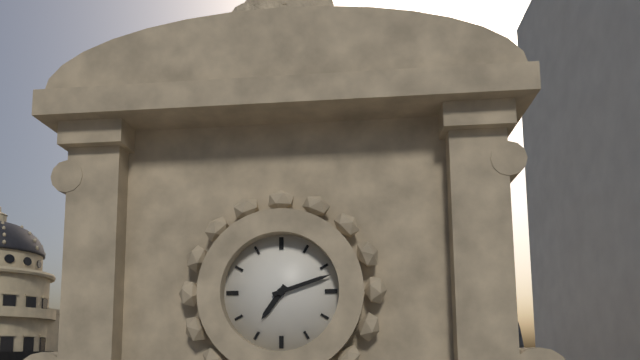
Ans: 7:12
